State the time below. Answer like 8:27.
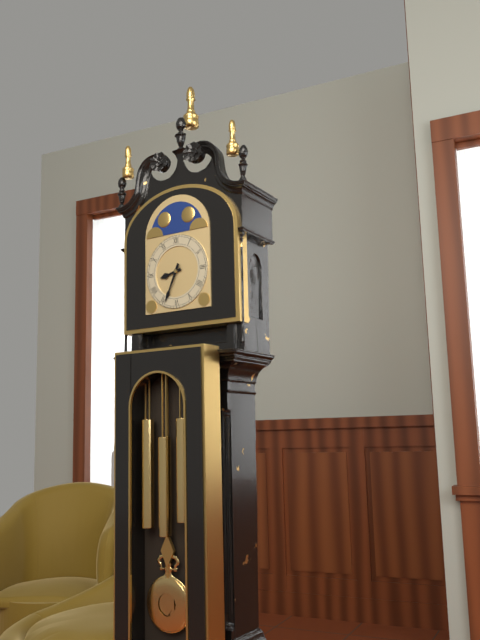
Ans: 8:34
